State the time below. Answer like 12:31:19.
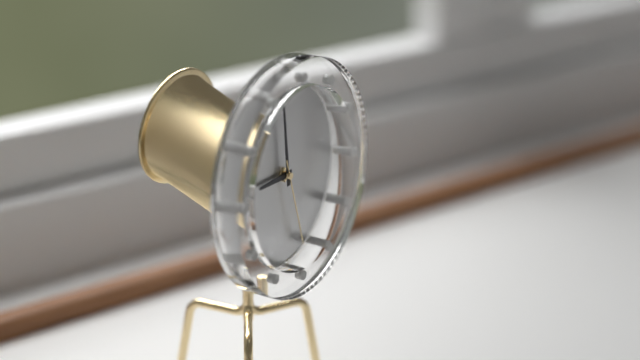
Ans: 8:59:27
